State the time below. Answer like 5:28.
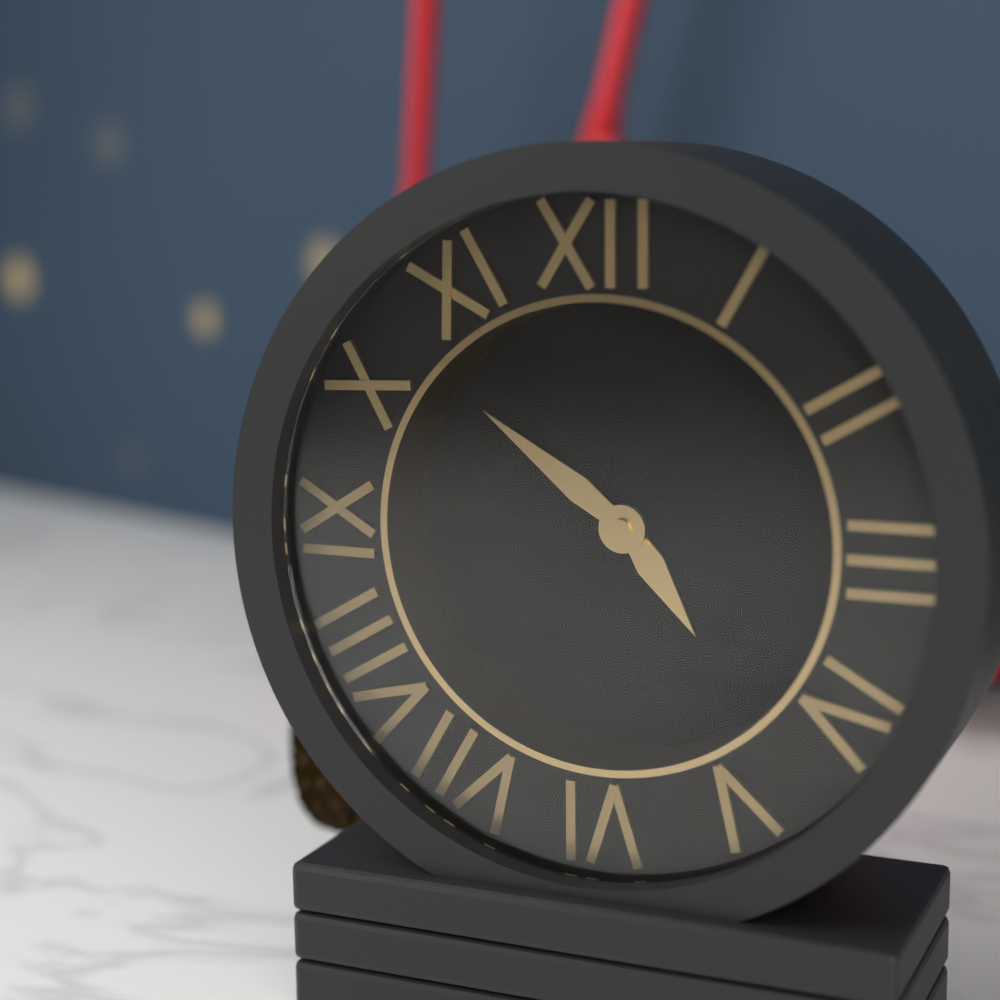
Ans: 4:51
